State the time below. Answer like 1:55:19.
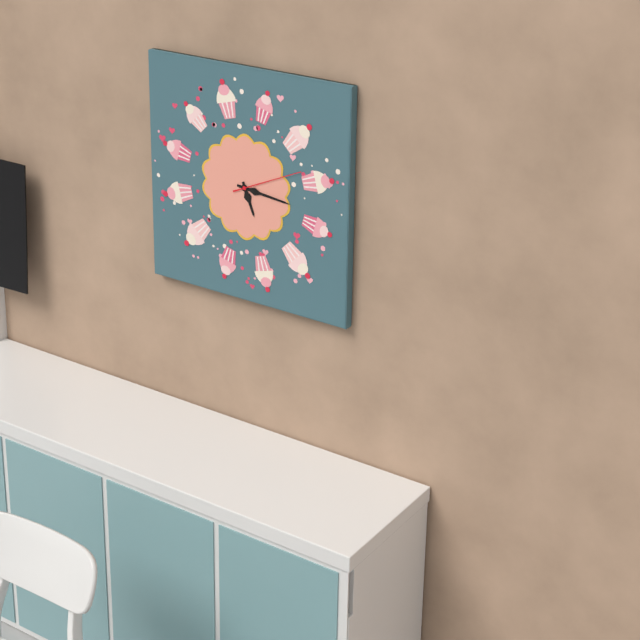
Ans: 5:16:11
